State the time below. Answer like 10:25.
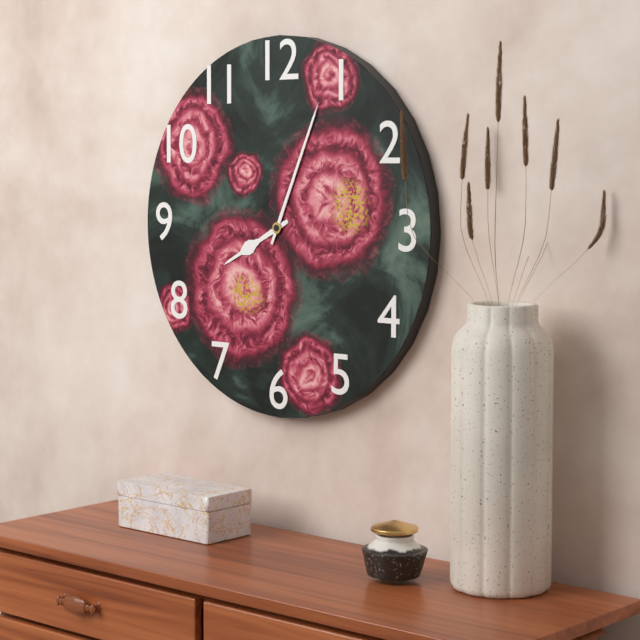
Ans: 8:04
